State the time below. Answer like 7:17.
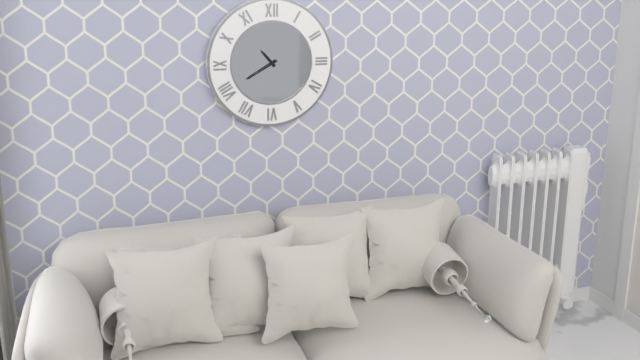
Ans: 10:40
